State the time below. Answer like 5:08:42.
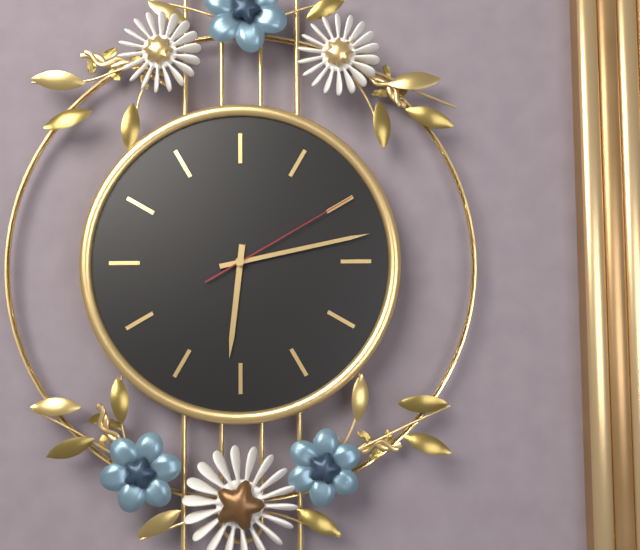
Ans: 6:13:10
